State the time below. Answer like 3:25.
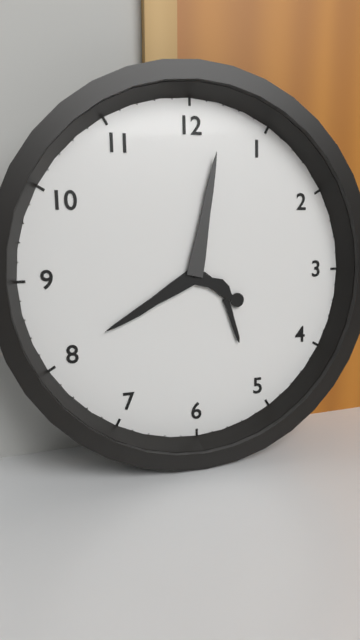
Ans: 8:02
